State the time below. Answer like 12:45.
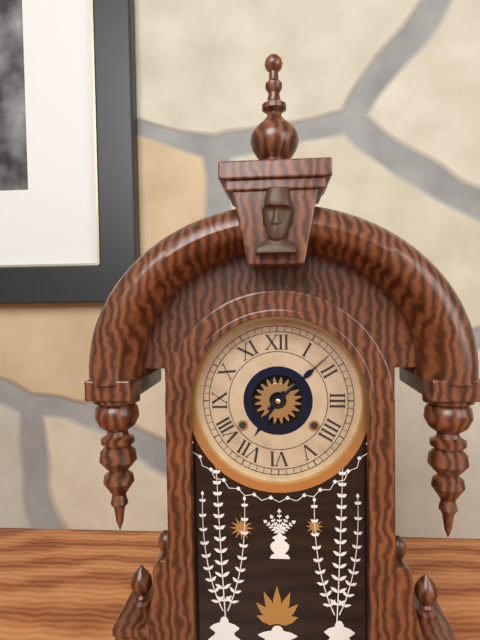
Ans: 7:08
